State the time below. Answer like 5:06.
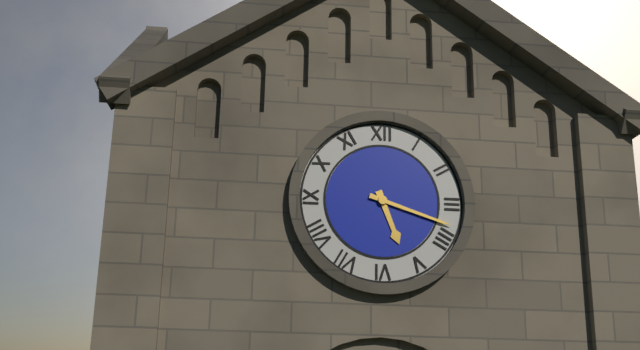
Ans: 5:18
